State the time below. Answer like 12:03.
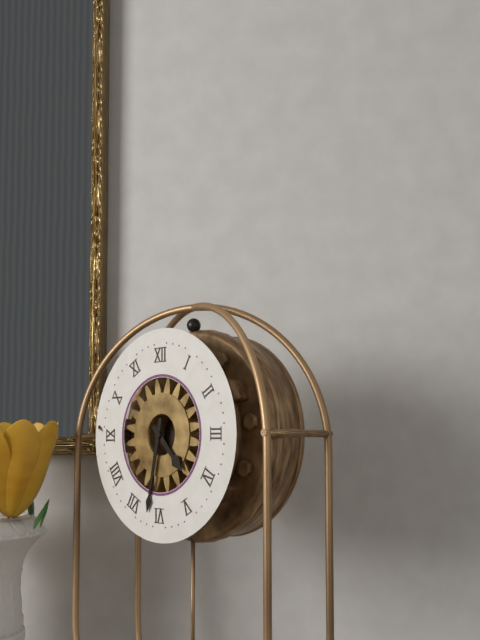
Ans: 4:32
